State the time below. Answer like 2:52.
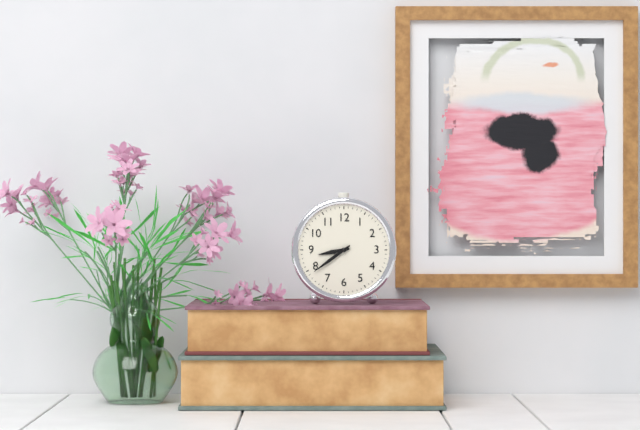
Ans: 8:39
